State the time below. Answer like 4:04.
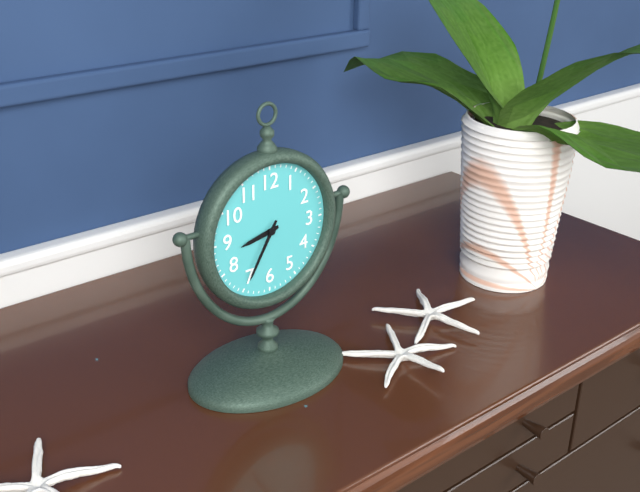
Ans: 8:35
